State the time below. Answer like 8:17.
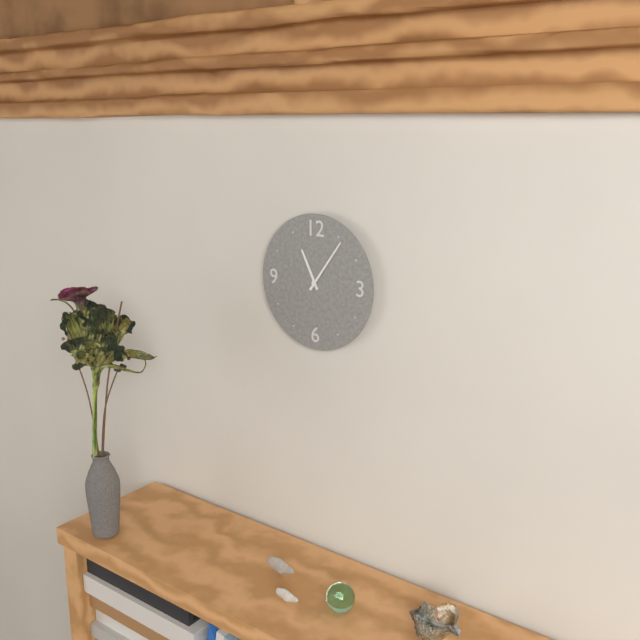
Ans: 11:06
